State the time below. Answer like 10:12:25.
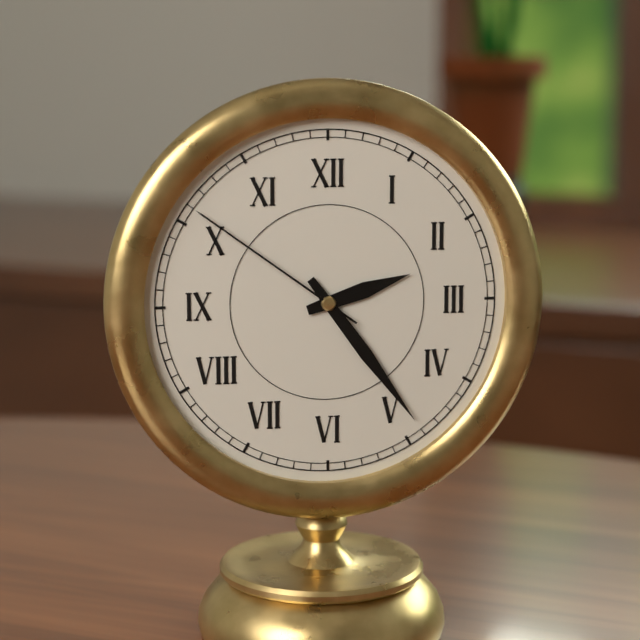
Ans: 2:24:51
